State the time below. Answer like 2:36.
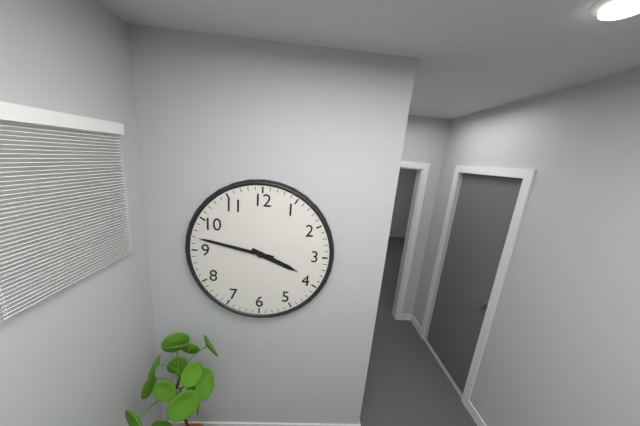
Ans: 3:47
